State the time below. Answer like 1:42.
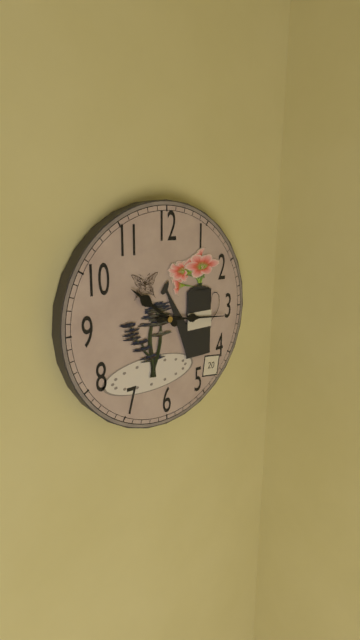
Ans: 10:16
